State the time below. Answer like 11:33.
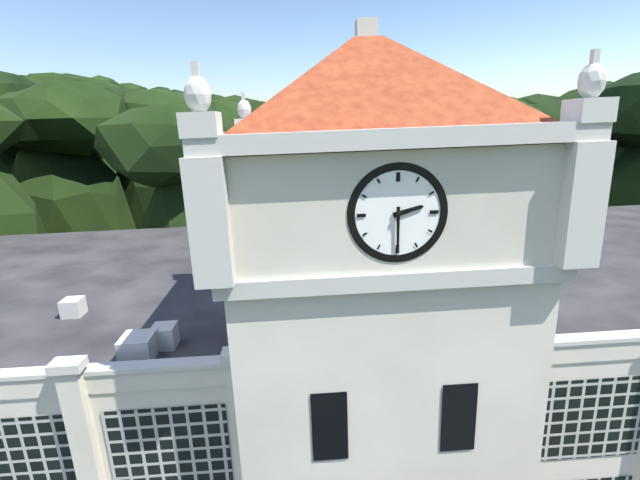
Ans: 2:30
